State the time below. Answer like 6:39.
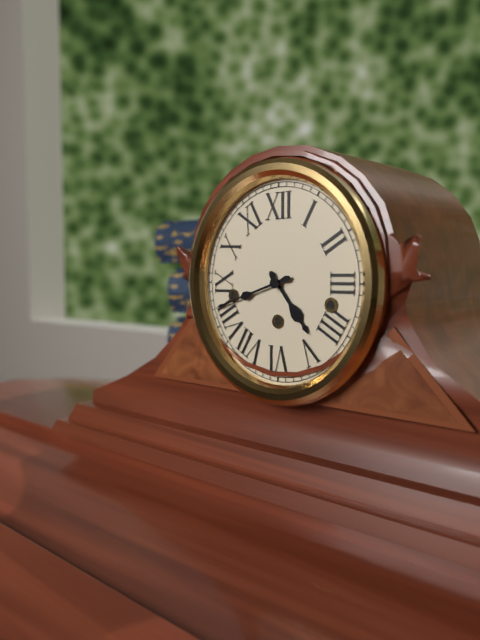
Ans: 4:42
